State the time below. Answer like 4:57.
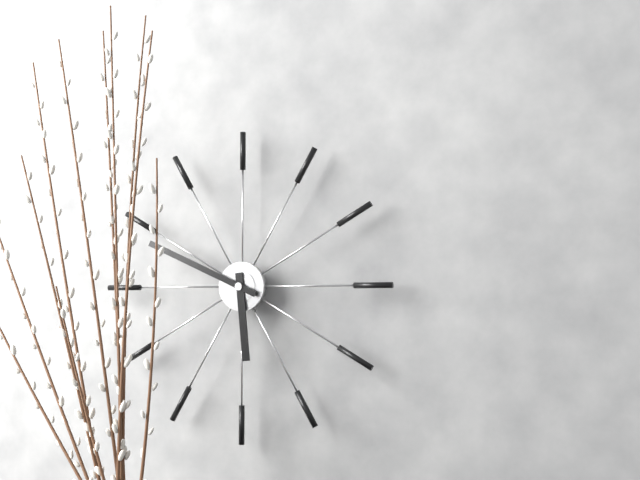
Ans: 5:49
